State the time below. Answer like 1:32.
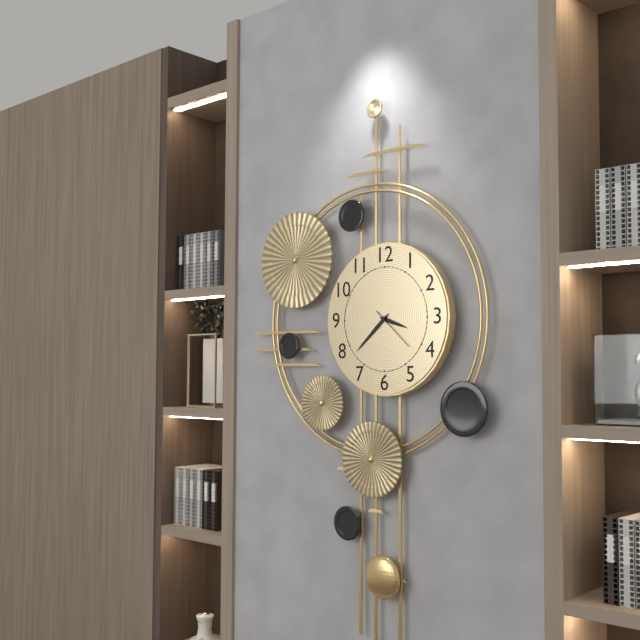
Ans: 3:38
